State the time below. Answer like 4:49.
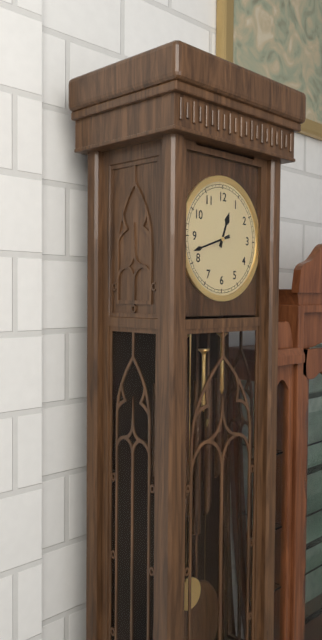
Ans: 12:42
